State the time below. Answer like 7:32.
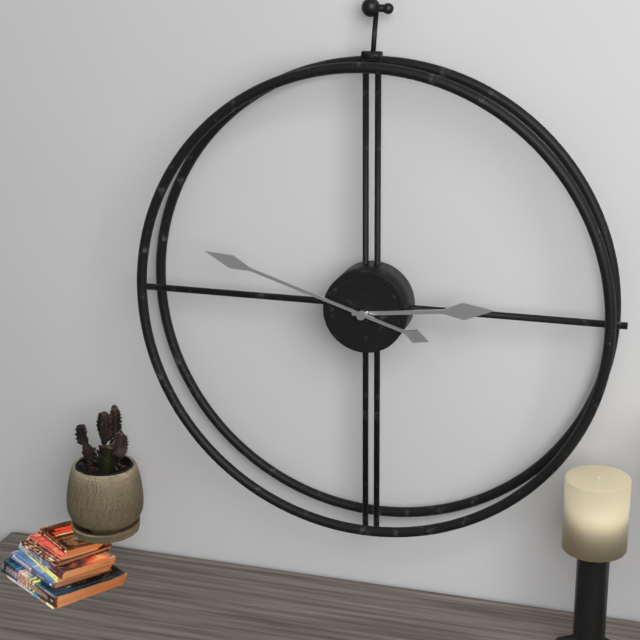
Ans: 2:48
